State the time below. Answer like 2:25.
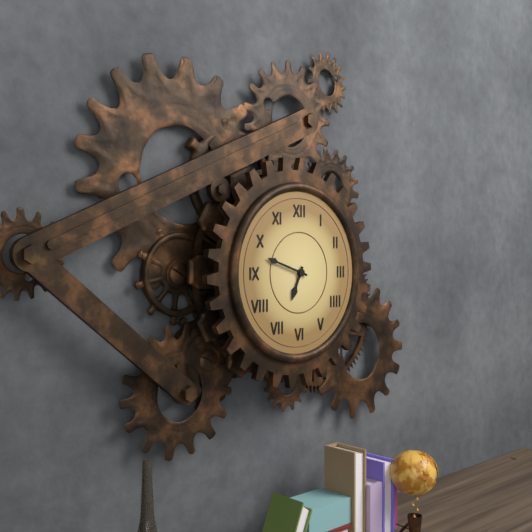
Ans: 6:48
